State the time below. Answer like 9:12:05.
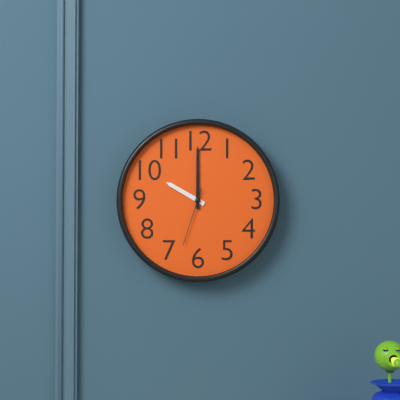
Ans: 10:00:33
